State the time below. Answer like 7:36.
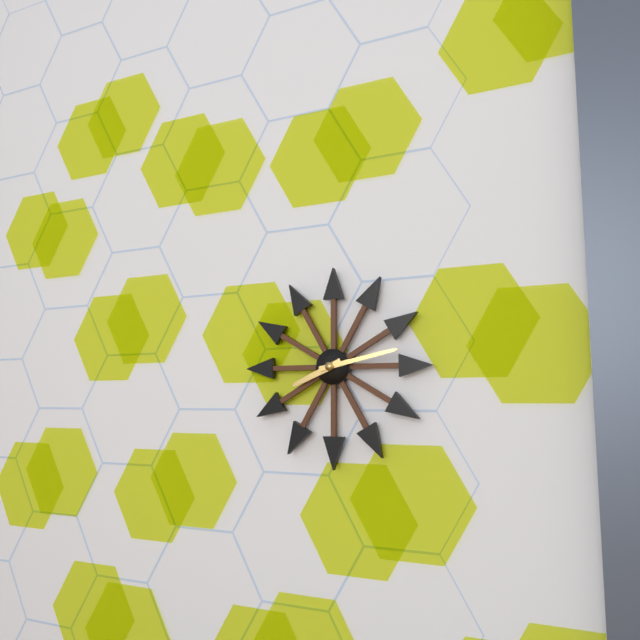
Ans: 8:13
